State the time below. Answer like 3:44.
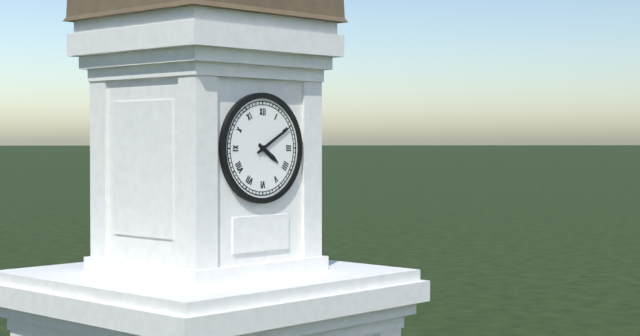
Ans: 4:10
